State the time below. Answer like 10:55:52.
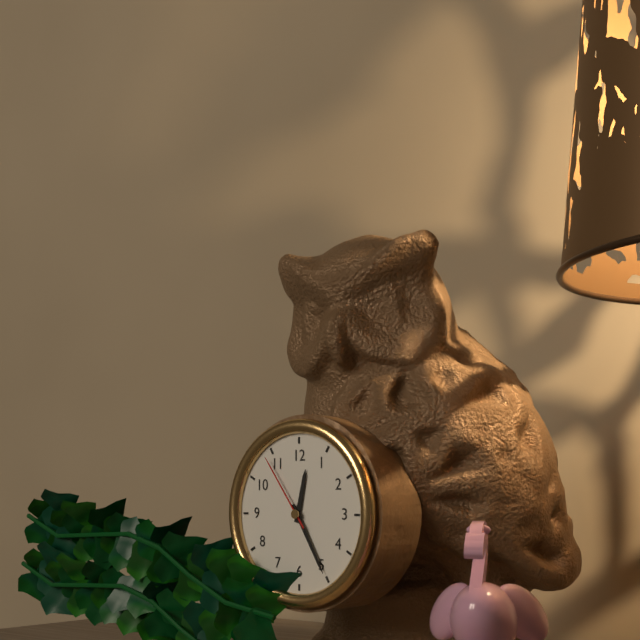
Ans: 12:25:54
